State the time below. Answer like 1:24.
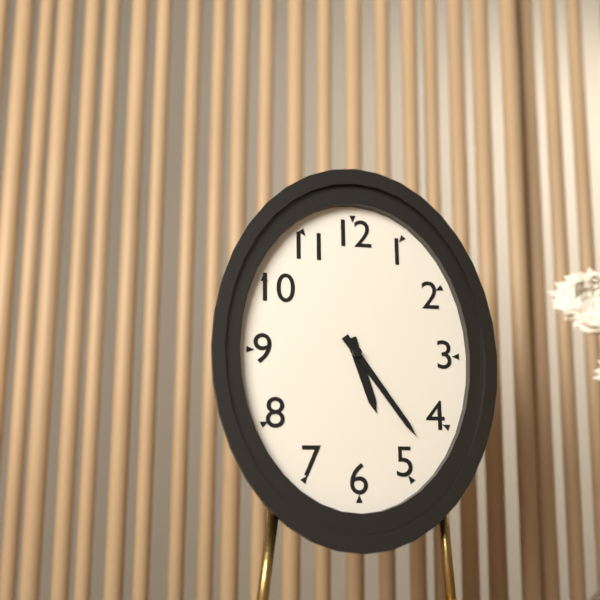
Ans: 5:24
